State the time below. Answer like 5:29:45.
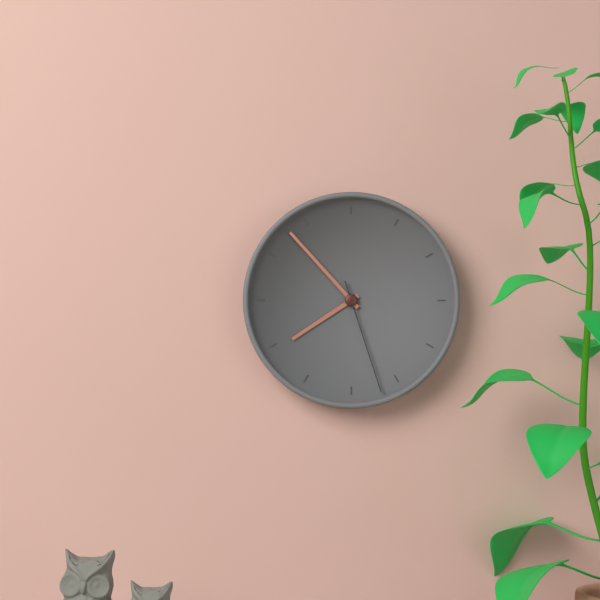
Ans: 7:53:27
